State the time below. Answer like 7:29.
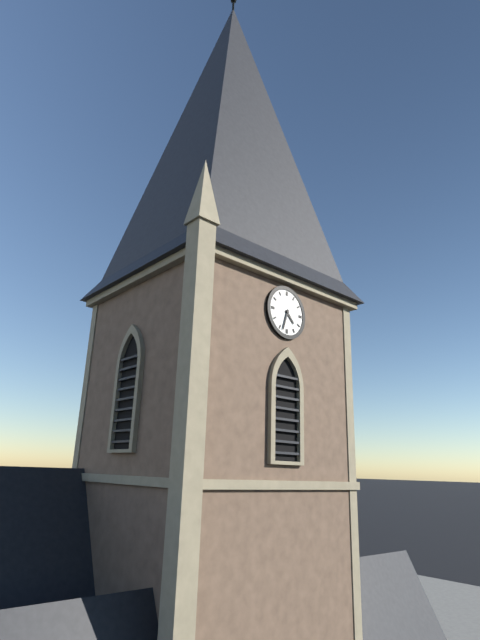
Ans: 4:33
